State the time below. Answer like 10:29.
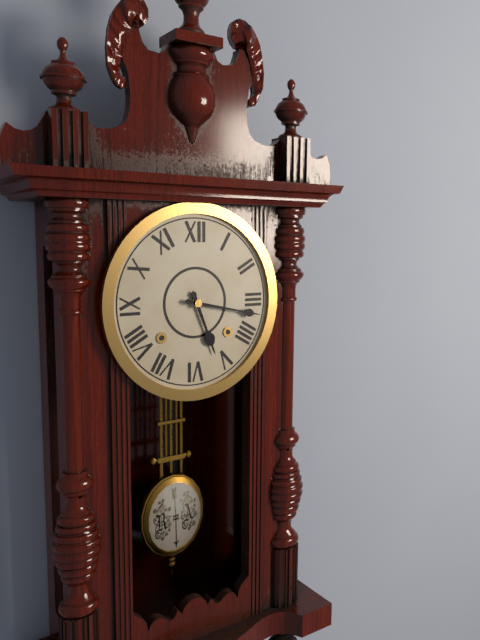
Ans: 5:17
